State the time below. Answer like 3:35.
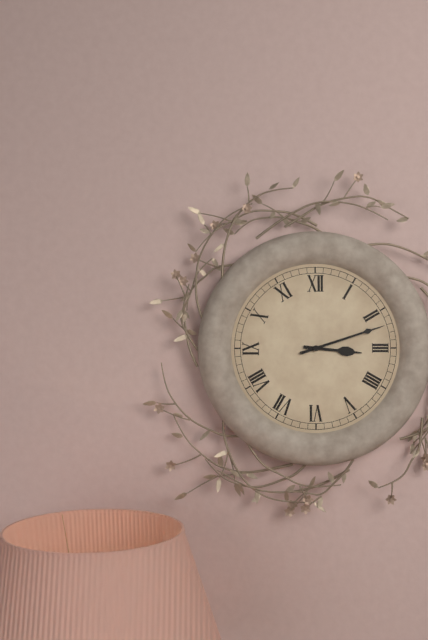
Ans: 3:12
